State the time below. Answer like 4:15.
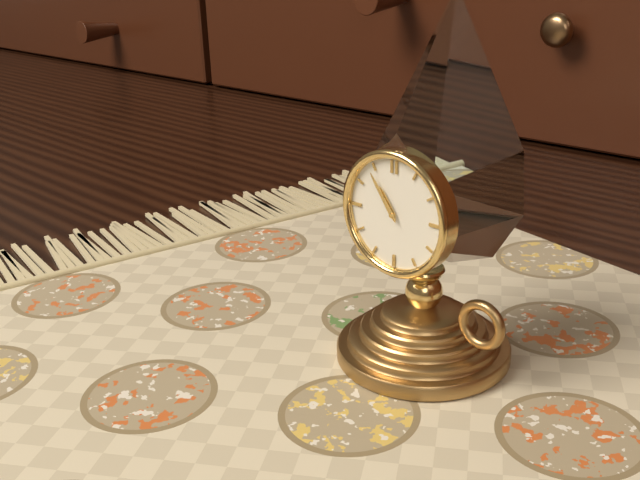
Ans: 10:54
